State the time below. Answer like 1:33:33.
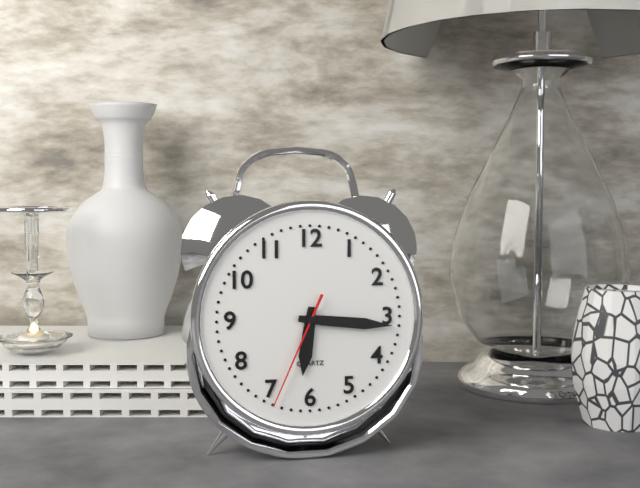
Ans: 6:16:34
